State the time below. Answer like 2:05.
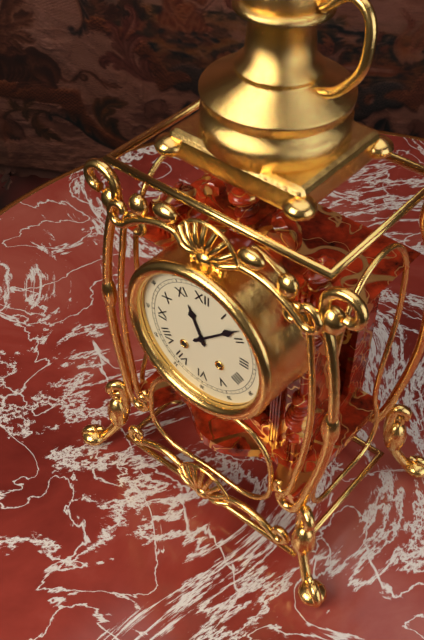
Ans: 11:08
